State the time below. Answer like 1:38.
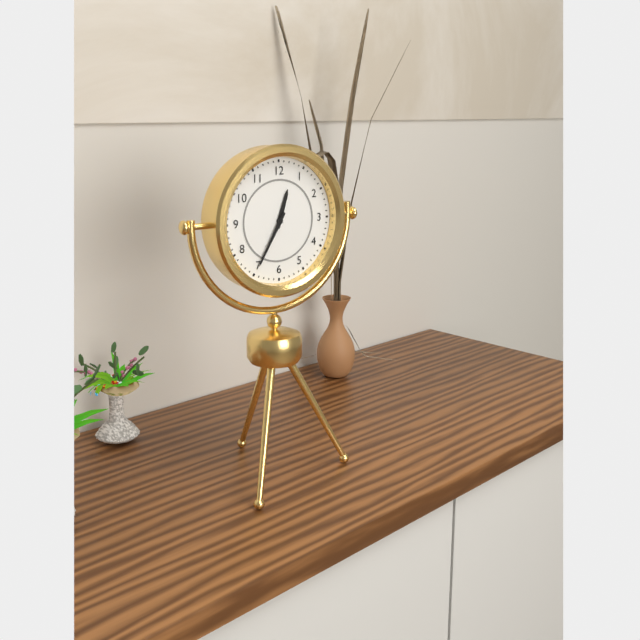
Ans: 12:35
